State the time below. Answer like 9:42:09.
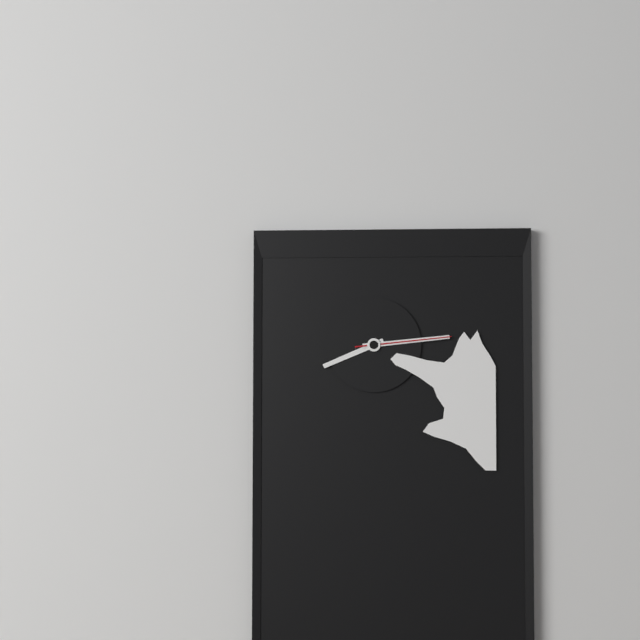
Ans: 8:14:14
